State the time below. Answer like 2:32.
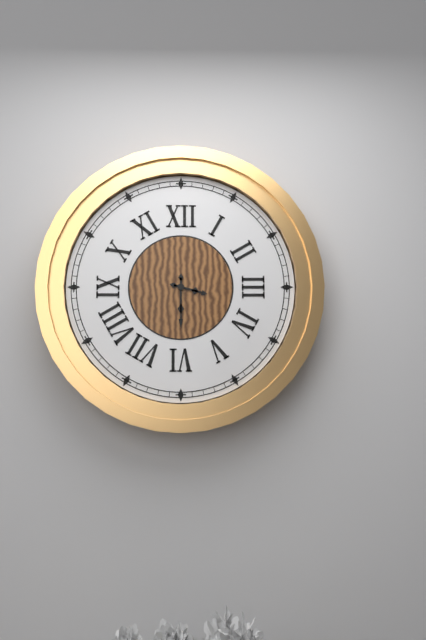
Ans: 3:30
